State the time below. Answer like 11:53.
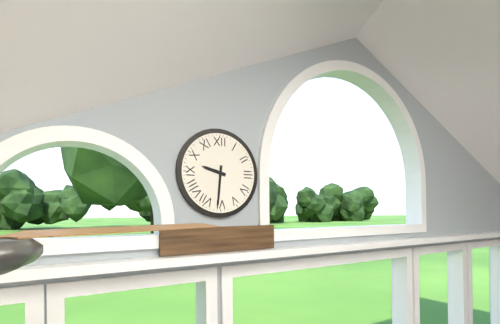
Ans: 9:31
